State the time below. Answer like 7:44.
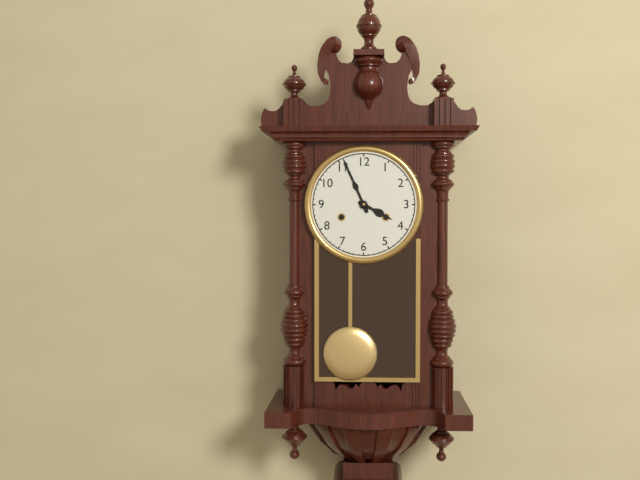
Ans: 3:56
